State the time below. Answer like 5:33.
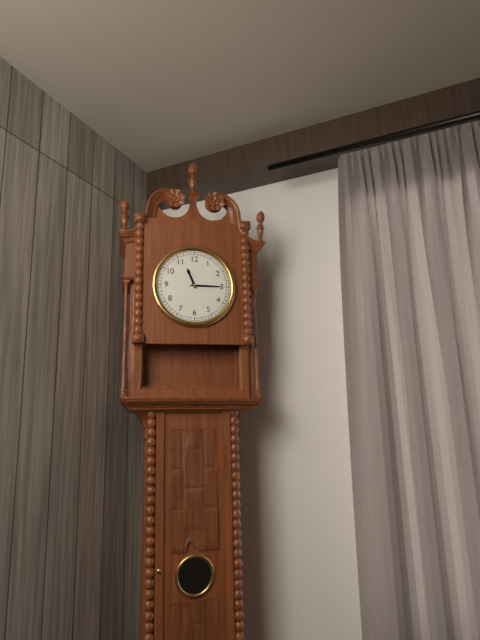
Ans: 11:15
